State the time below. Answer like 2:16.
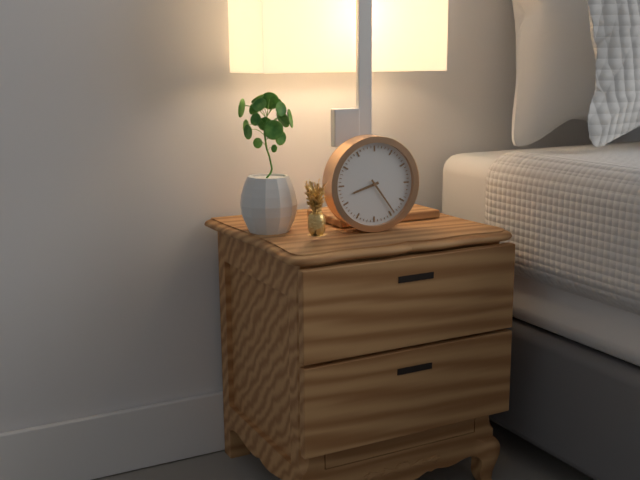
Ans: 8:24
